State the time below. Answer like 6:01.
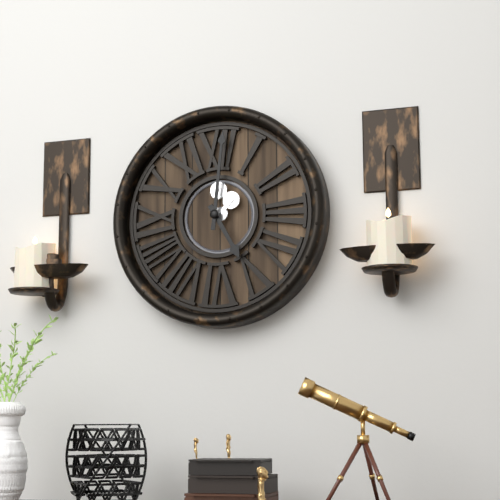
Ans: 5:01
